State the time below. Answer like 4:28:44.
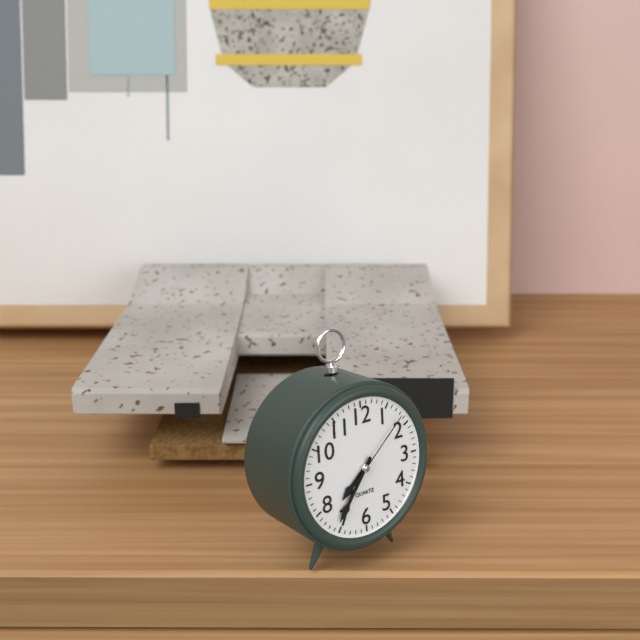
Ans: 7:36:08
